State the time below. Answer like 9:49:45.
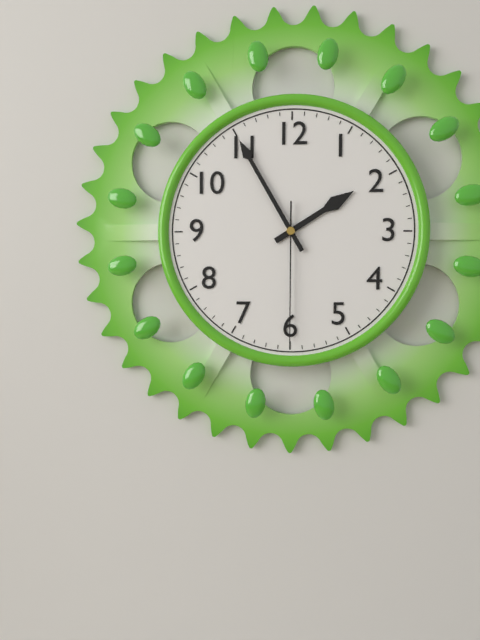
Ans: 1:55:30
